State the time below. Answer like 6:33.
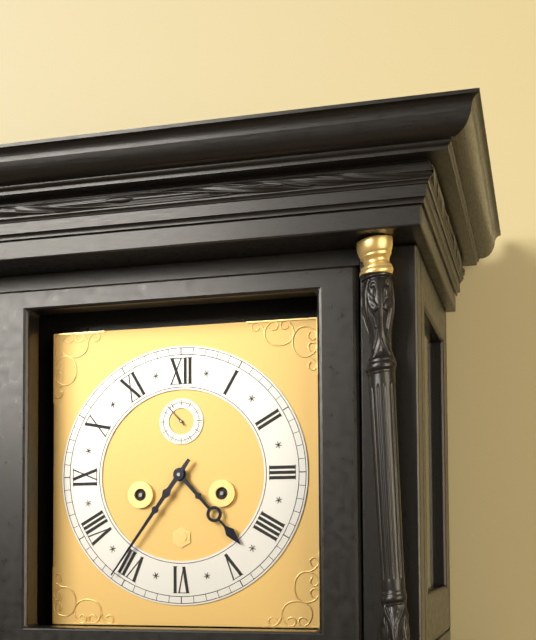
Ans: 4:36
